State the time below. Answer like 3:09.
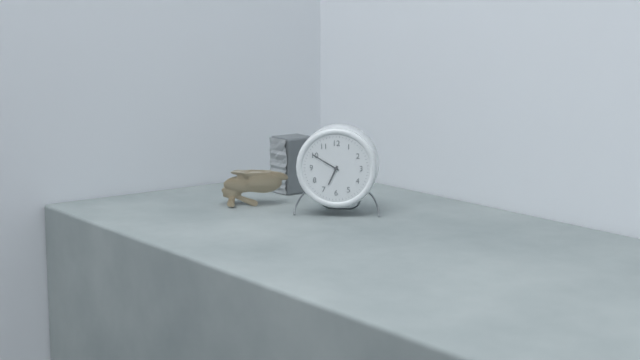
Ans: 6:50
